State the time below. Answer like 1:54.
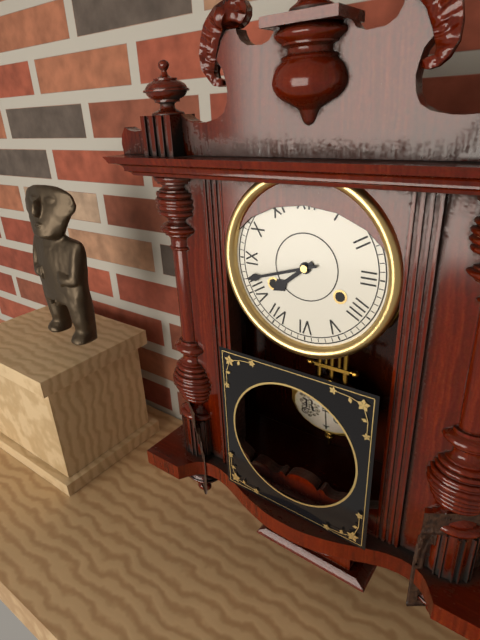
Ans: 7:42
